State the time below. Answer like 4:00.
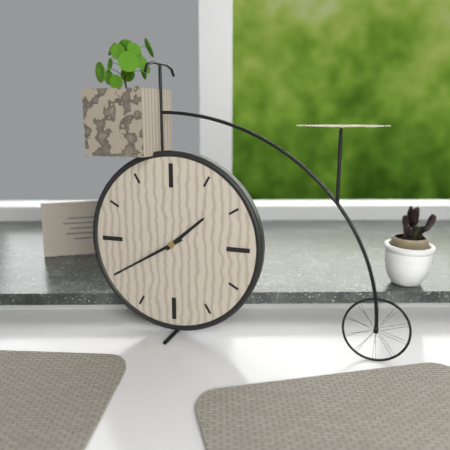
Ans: 1:40
